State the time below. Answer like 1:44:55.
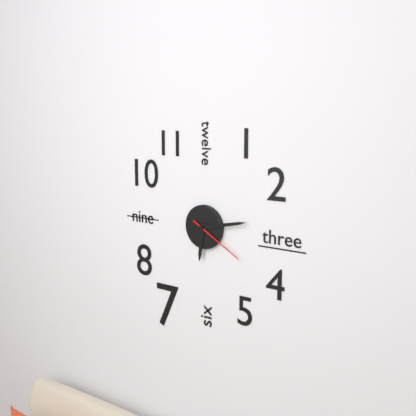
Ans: 6:13:20
